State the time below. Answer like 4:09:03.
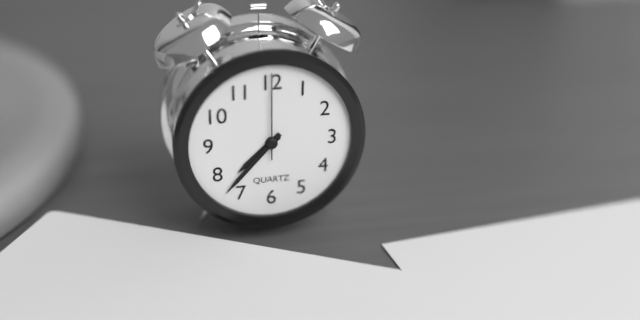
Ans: 7:37:00
